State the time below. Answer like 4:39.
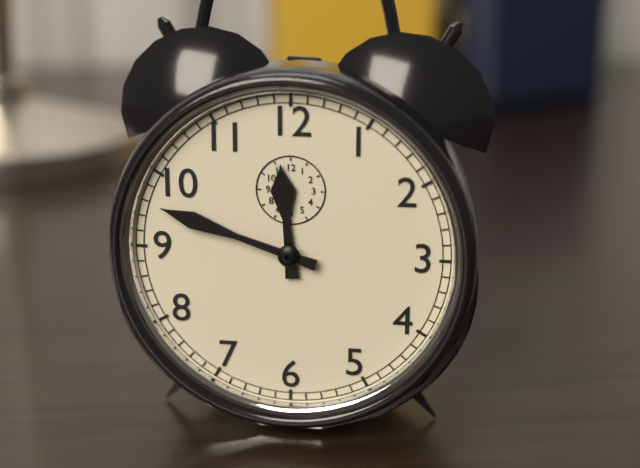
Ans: 11:48
